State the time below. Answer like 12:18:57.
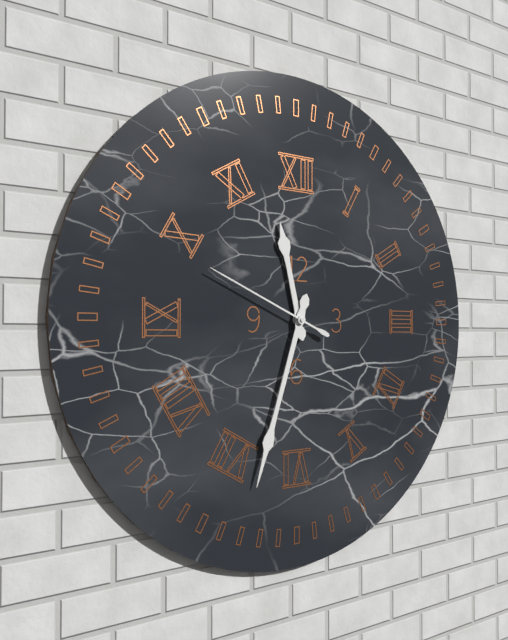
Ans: 11:33:49
